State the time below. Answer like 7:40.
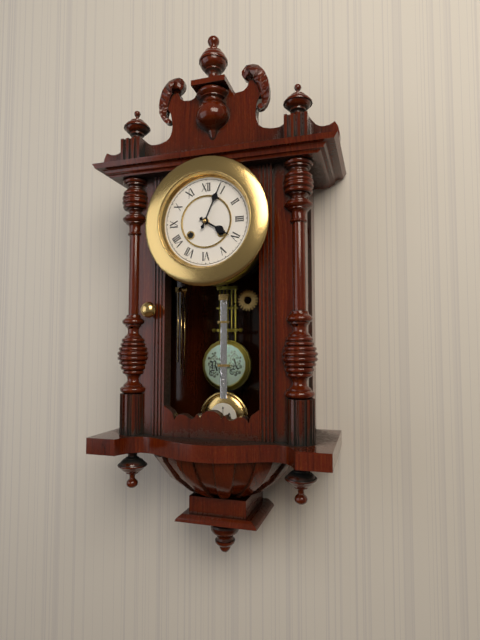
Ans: 4:04
